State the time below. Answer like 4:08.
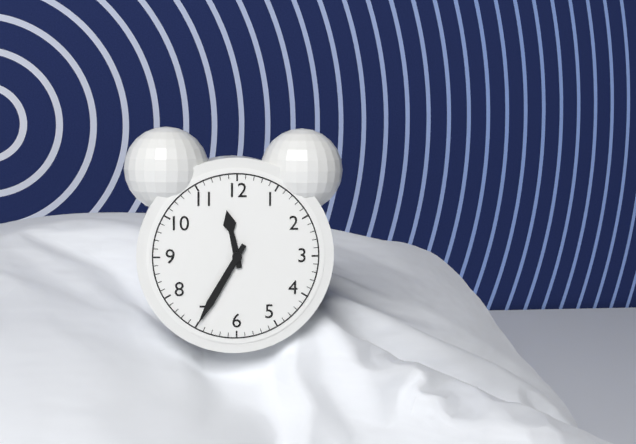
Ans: 11:35
